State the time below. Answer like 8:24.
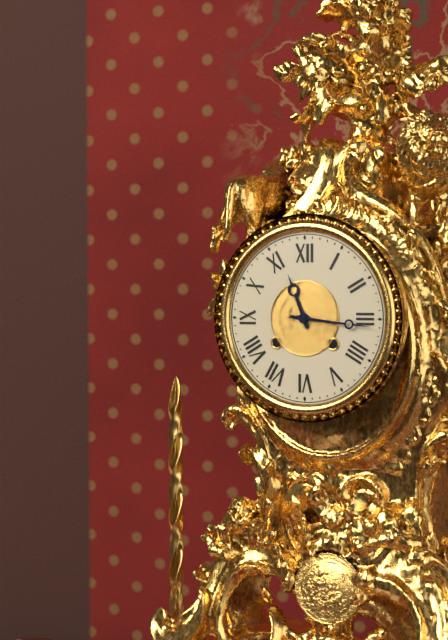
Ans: 11:16
